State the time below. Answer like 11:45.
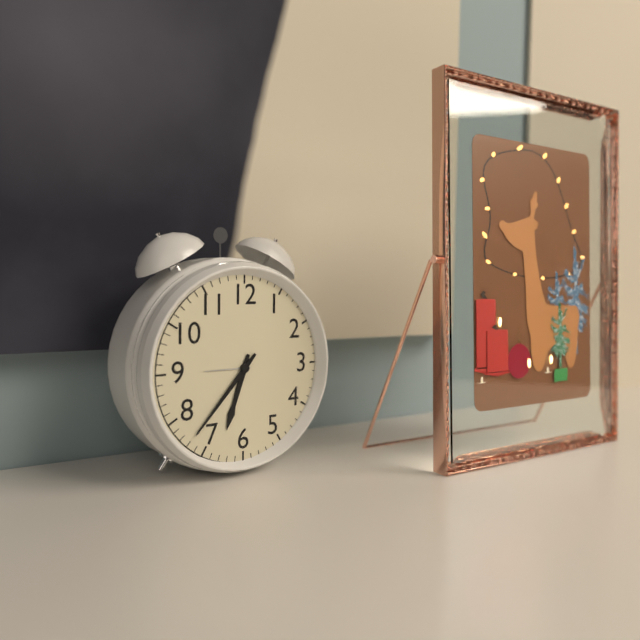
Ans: 6:37
